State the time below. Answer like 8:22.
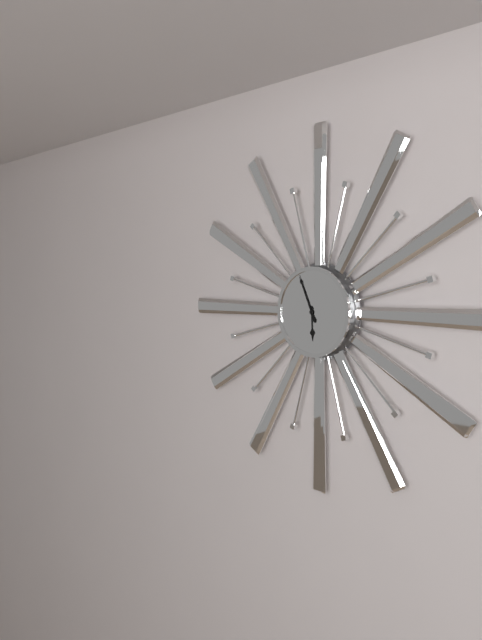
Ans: 5:56
